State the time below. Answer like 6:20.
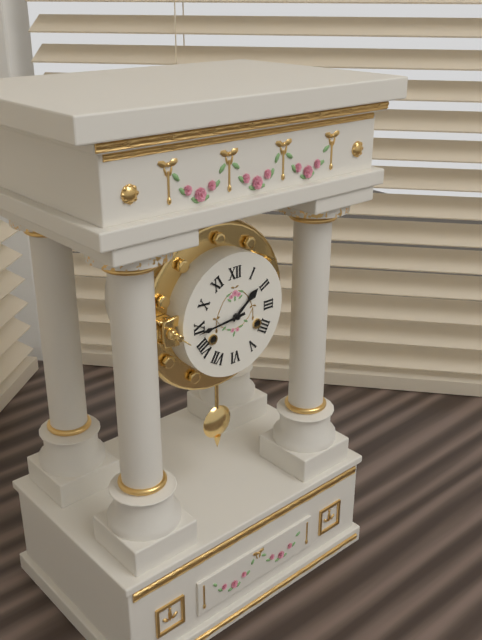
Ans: 1:44
